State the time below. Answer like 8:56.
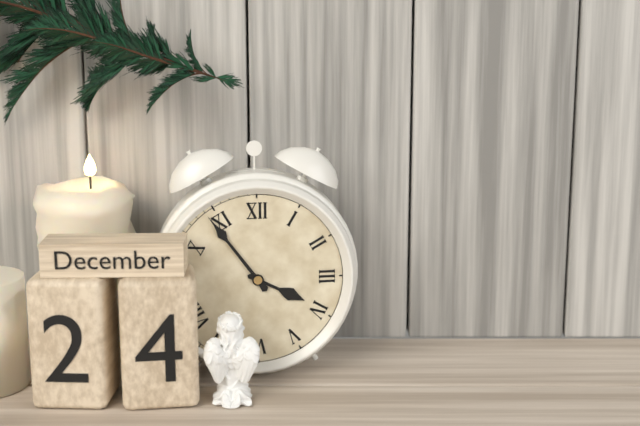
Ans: 3:54
